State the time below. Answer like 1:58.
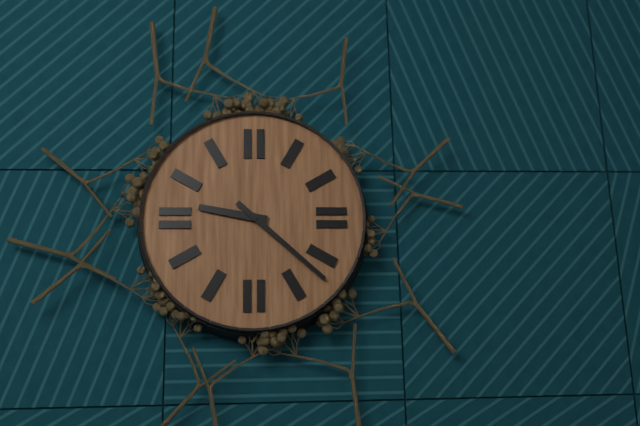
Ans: 9:22
